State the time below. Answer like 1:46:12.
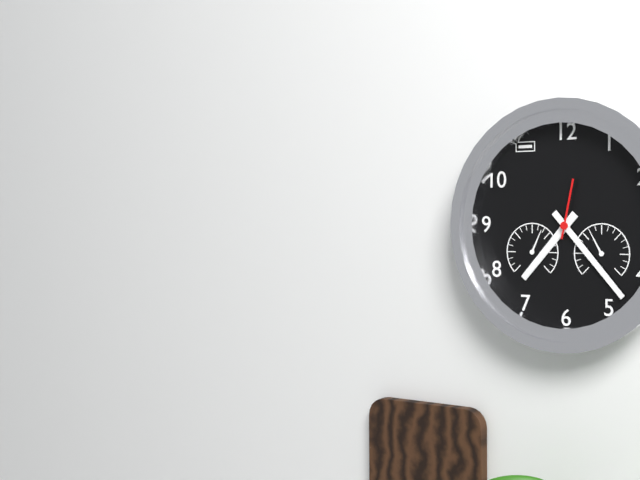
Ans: 7:23:02
